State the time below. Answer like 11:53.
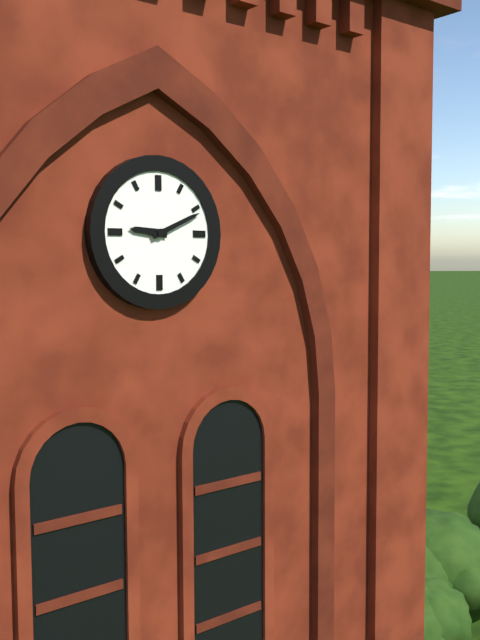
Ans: 9:11
